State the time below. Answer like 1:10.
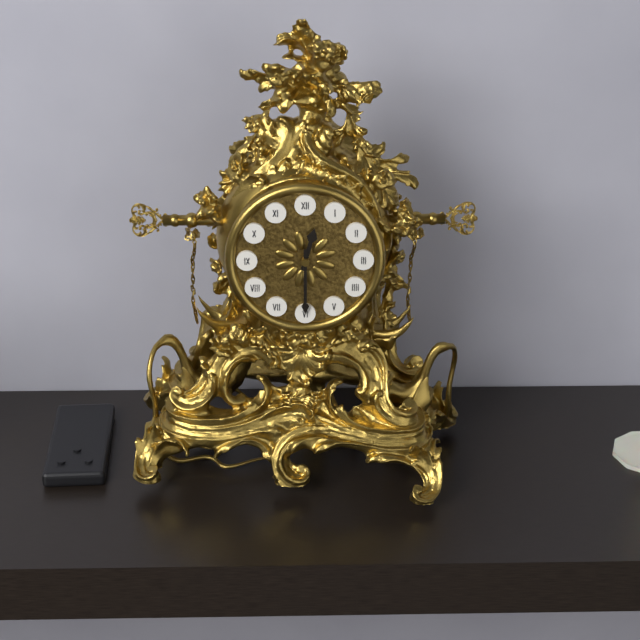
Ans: 12:30
